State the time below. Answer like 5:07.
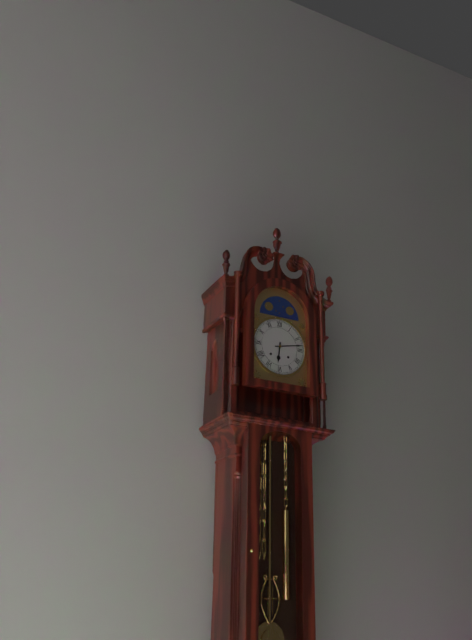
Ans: 6:13
